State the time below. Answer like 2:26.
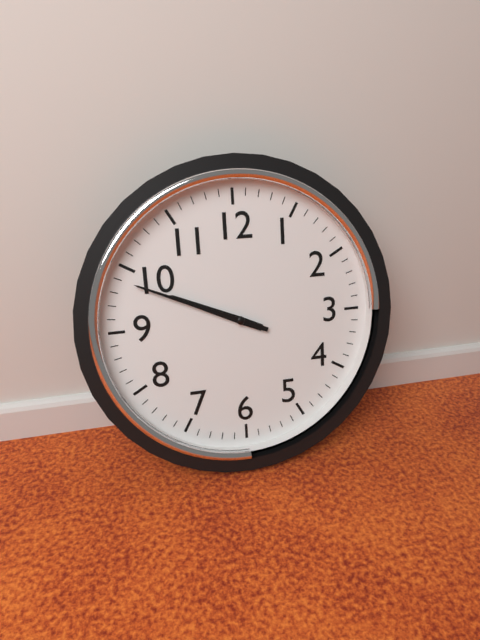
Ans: 9:49
